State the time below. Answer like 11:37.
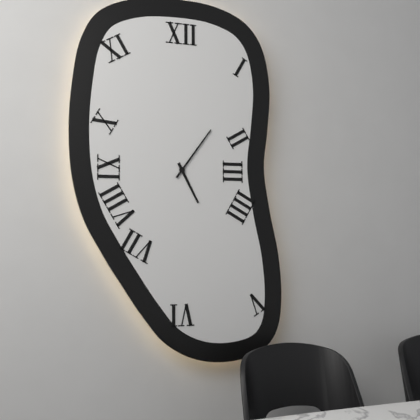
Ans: 5:06
